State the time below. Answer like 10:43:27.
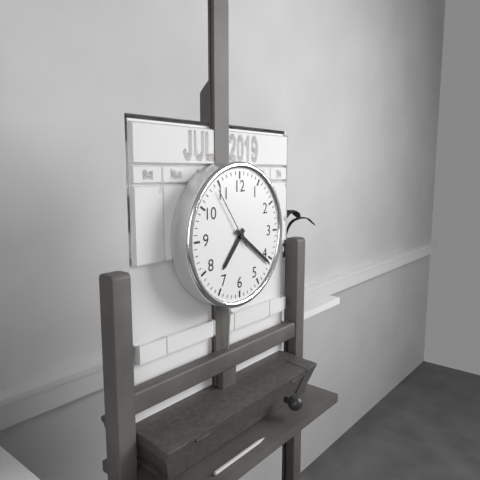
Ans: 7:21:54
